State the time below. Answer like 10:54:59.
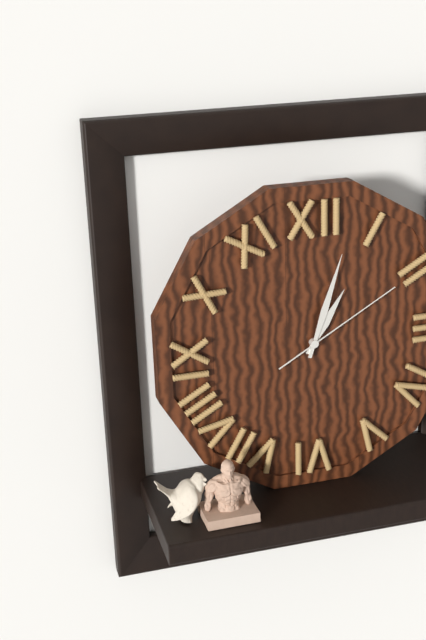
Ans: 1:03:10
